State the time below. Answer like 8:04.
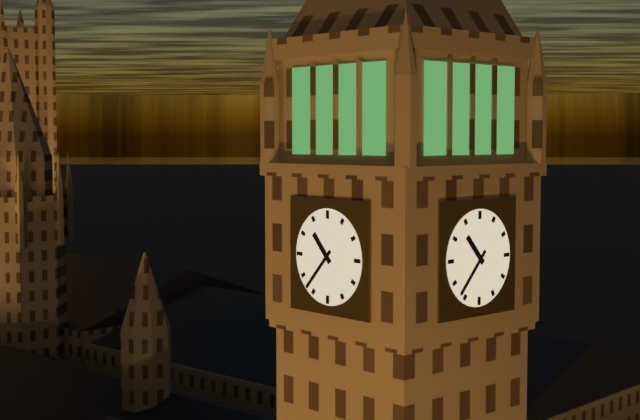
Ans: 10:37
